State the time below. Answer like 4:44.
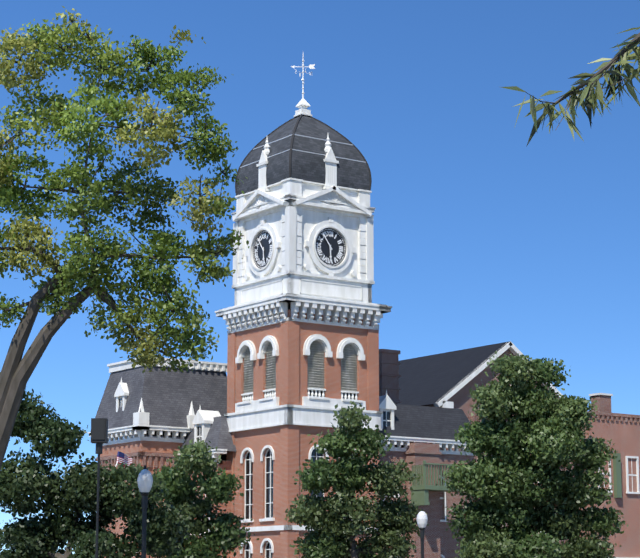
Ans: 5:54
